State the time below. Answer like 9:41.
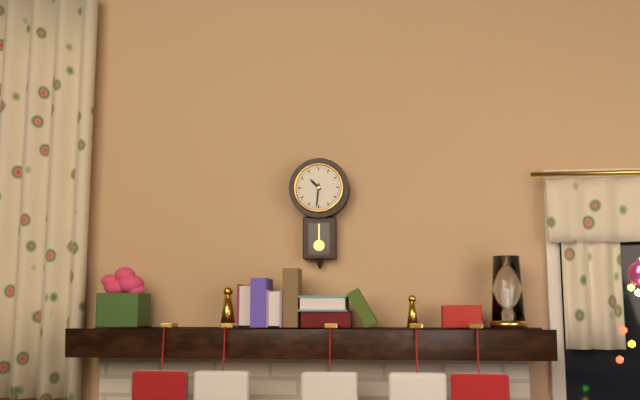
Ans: 10:31
